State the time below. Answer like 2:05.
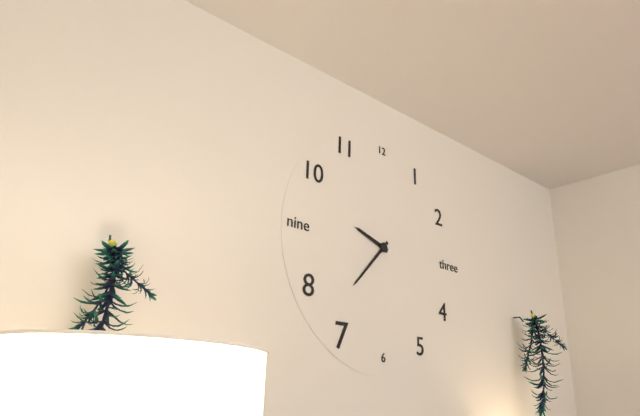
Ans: 9:37
